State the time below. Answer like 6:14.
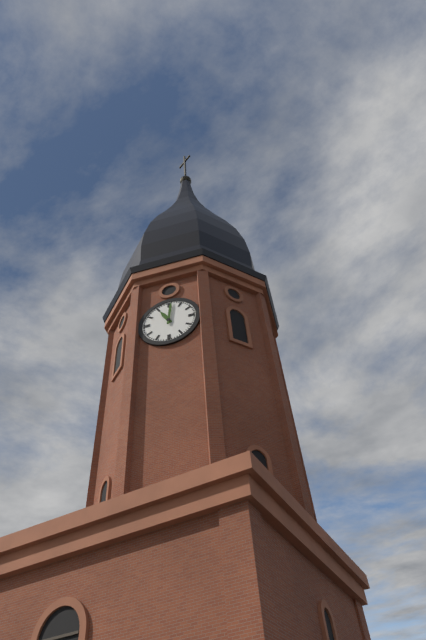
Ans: 11:01
